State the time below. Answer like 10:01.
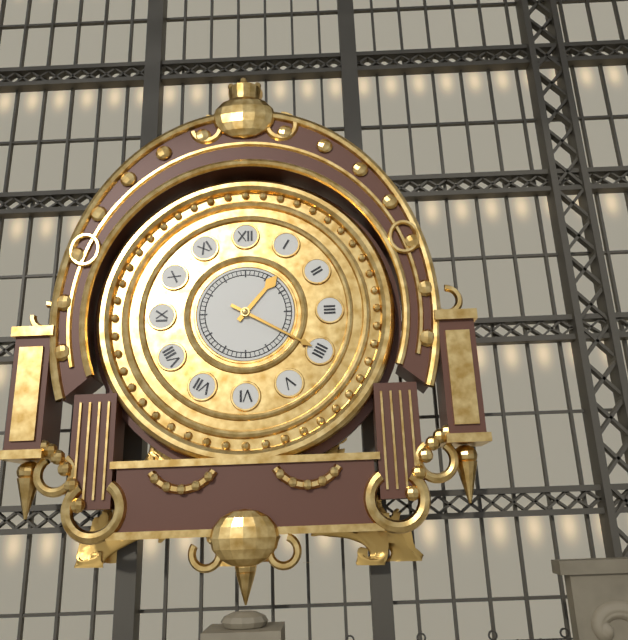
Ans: 1:20
